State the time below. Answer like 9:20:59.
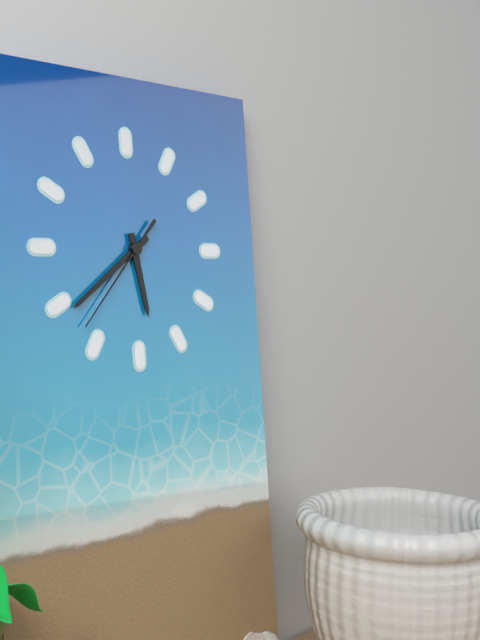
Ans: 5:39:37
